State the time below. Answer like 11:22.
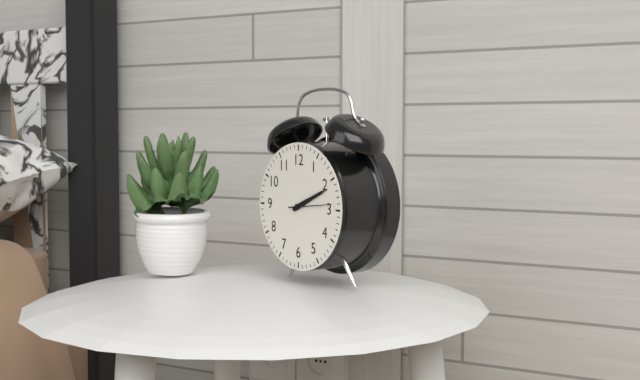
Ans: 2:11
